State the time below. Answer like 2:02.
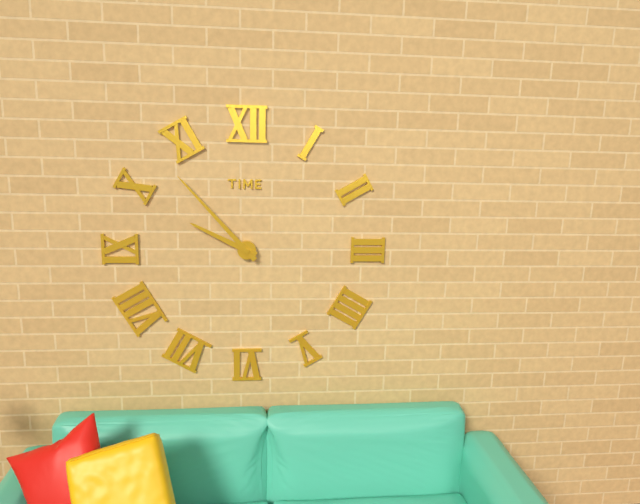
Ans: 9:53
